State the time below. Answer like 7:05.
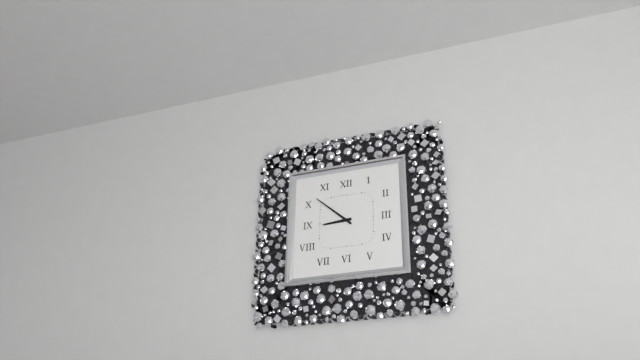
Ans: 8:52
